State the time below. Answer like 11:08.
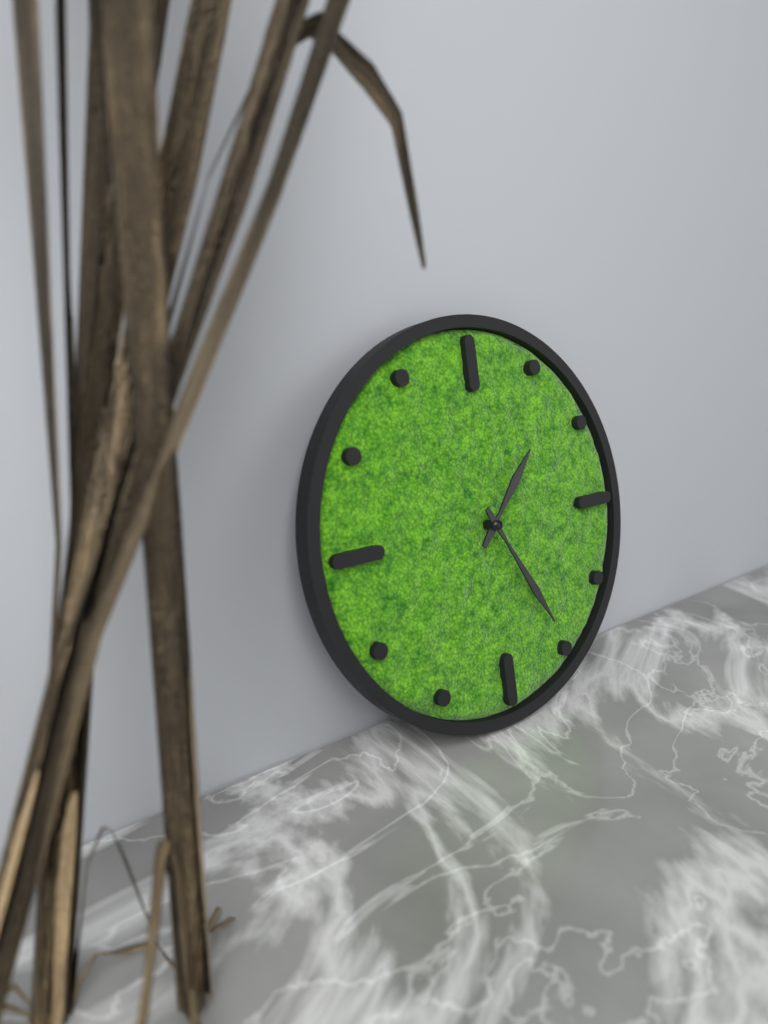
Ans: 1:25
